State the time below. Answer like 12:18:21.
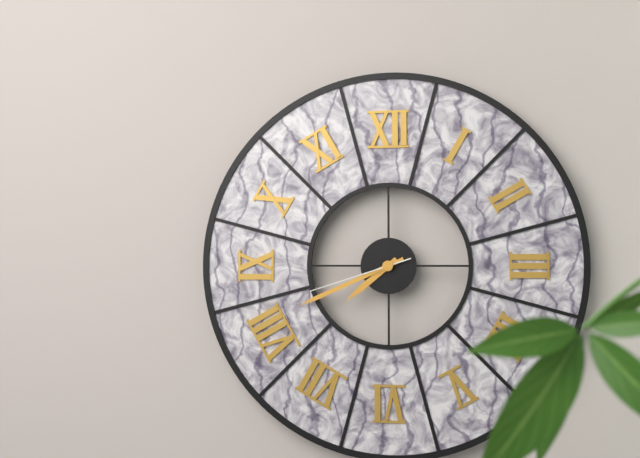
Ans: 7:41:42
